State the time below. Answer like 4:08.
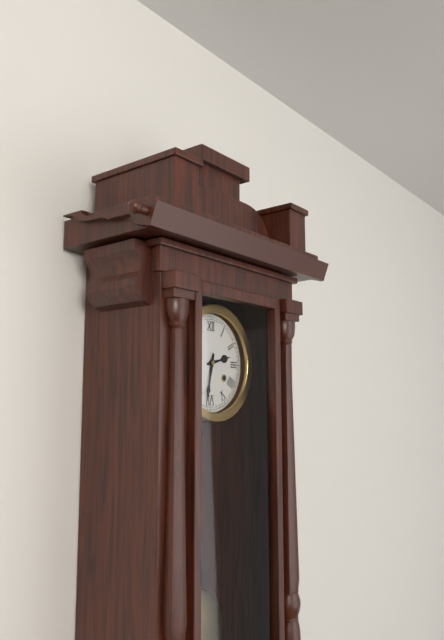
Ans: 2:32
